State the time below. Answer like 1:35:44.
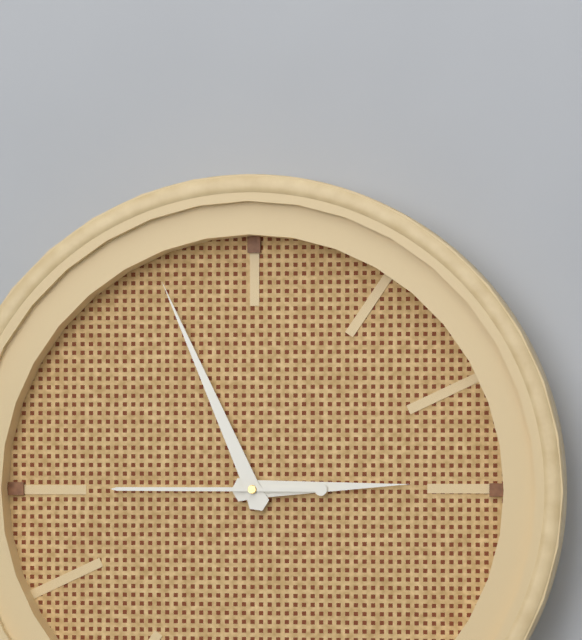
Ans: 2:56:45
